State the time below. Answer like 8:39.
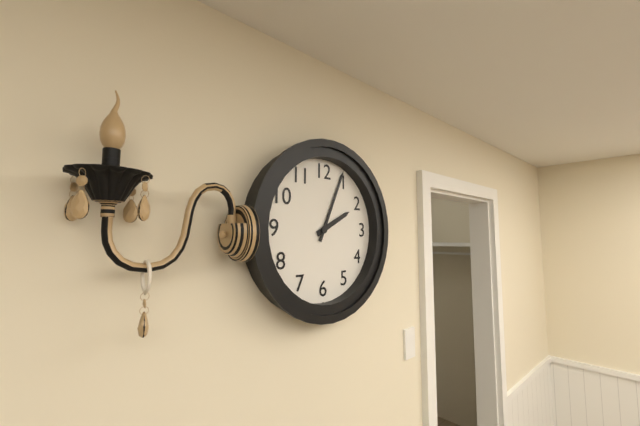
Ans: 2:04
